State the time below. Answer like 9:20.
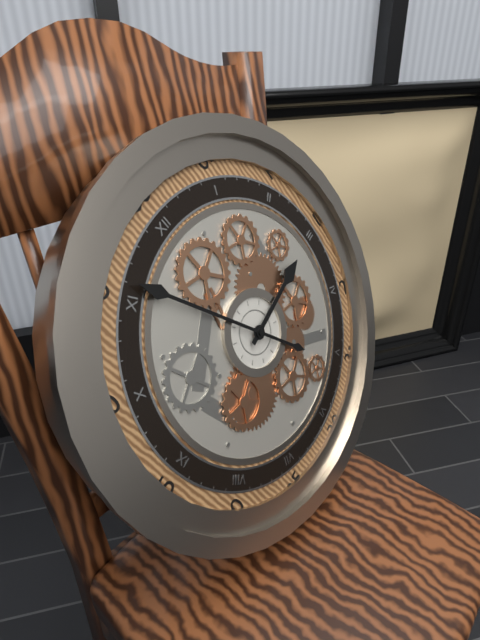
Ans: 2:56
